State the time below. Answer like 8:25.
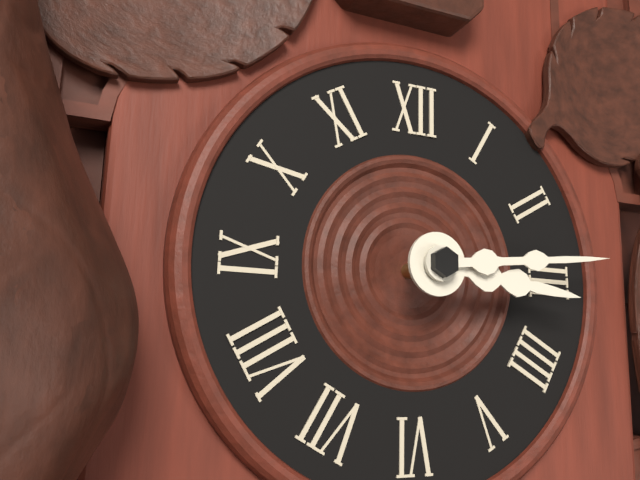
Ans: 3:14
